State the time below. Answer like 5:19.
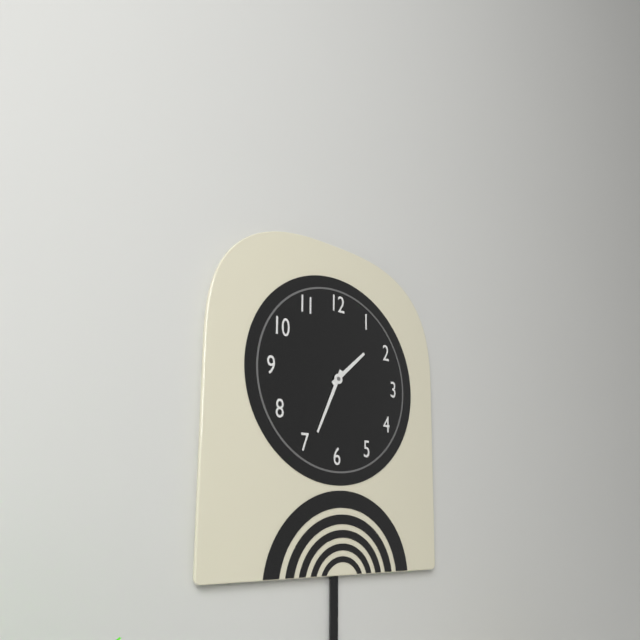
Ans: 1:34
